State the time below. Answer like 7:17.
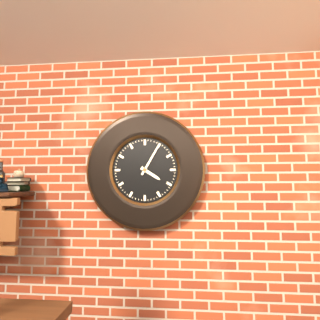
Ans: 4:05
